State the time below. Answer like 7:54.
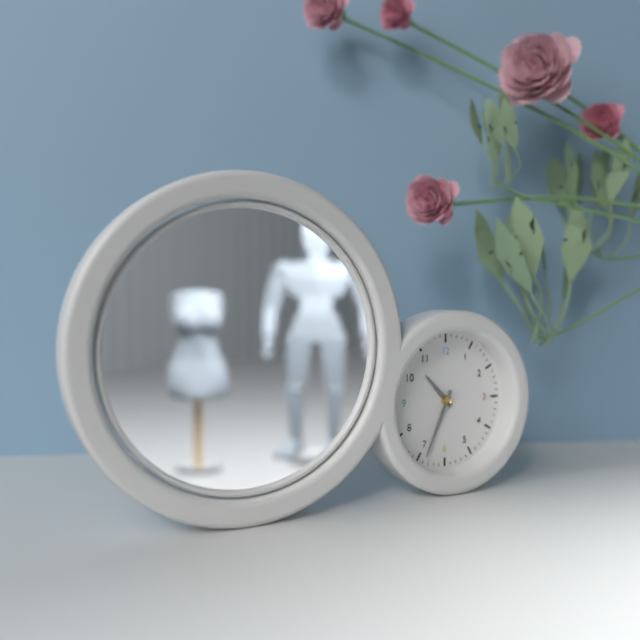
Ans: 10:34
